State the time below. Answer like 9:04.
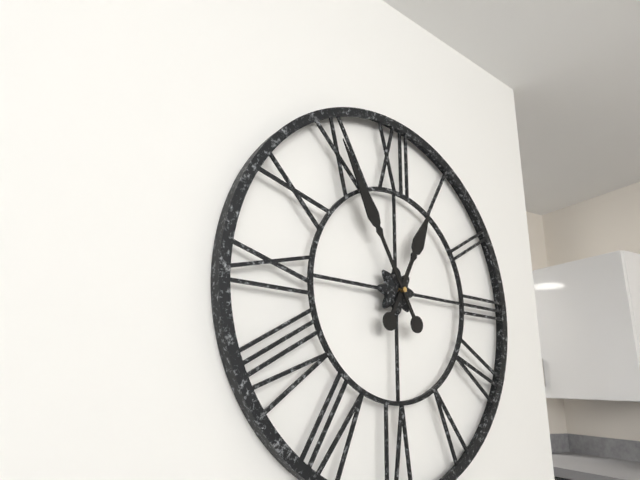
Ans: 12:55
